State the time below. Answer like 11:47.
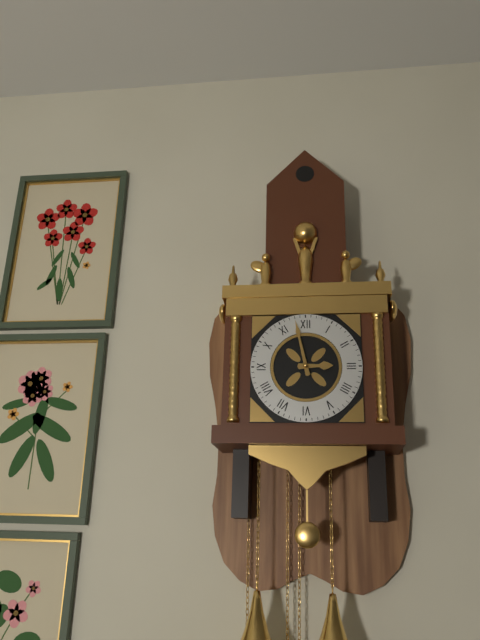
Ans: 2:58
